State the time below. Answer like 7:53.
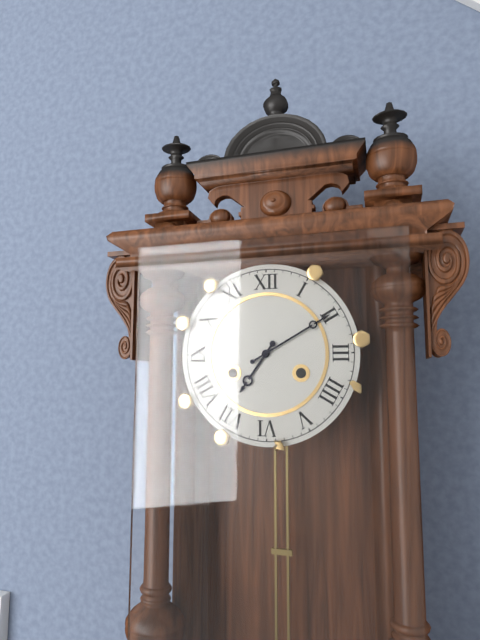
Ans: 7:10
